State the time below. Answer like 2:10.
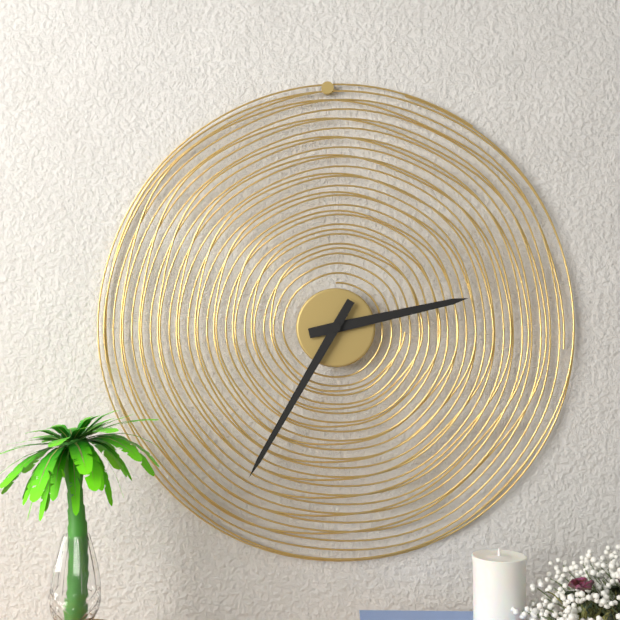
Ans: 2:35
